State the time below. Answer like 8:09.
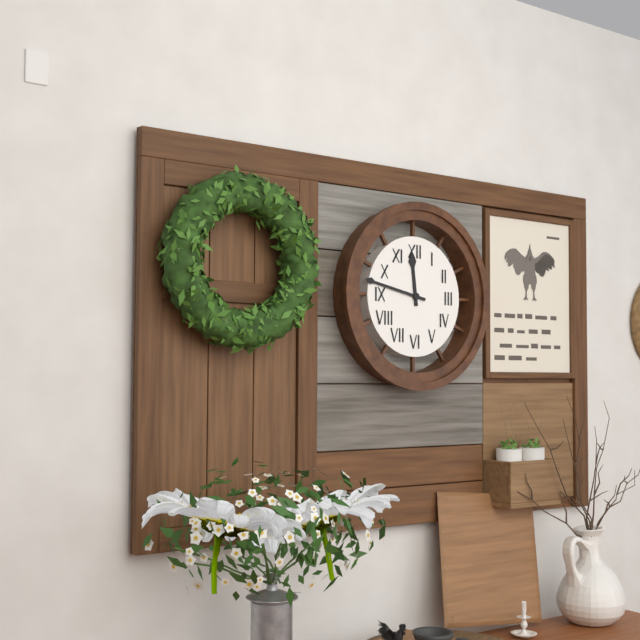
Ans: 11:47
